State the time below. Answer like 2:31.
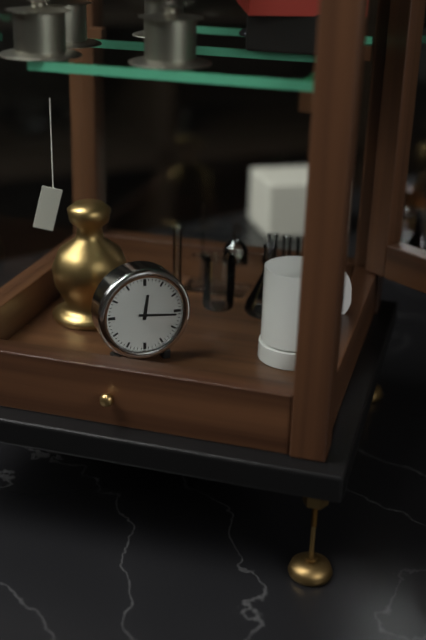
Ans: 12:16
